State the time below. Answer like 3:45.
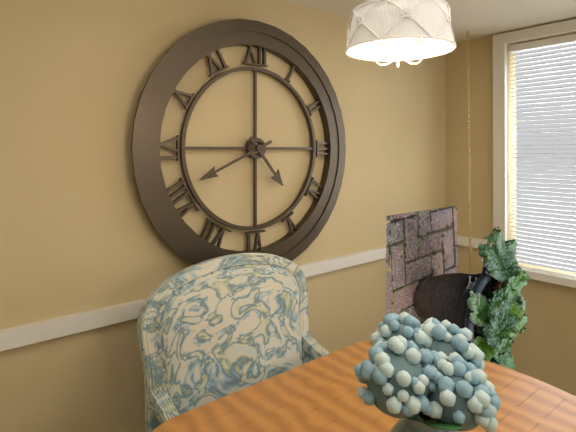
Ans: 4:41
